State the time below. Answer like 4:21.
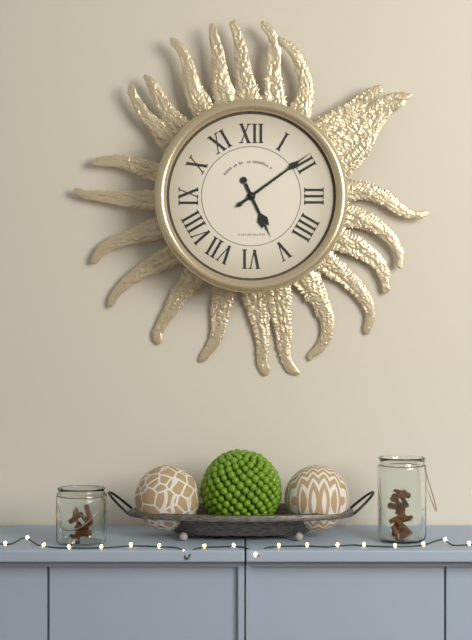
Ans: 5:09
